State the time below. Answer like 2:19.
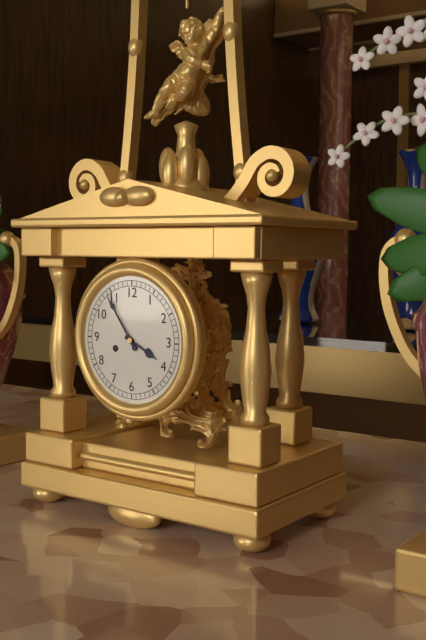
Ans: 3:54
